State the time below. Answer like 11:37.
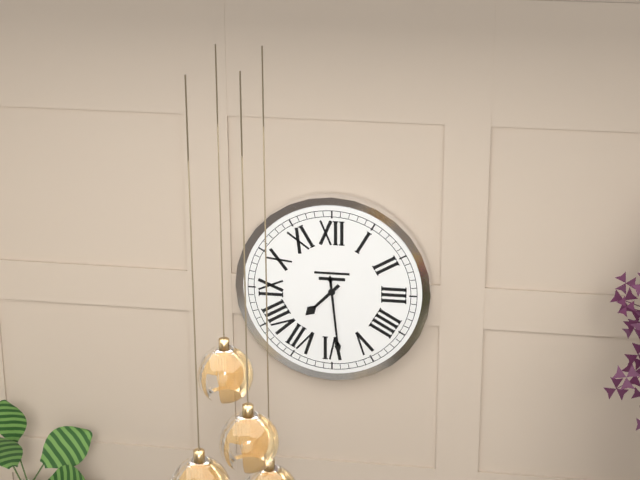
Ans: 7:29
